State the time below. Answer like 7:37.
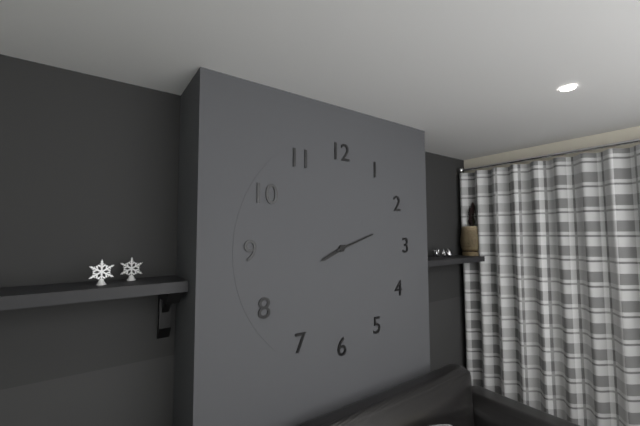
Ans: 8:12
